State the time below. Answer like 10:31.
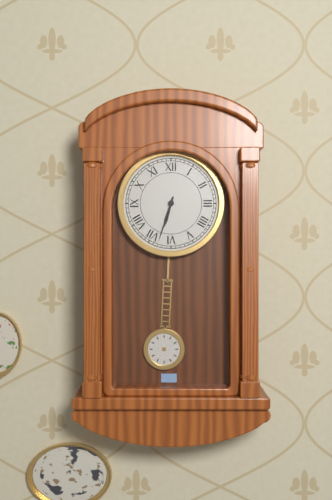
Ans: 6:33
